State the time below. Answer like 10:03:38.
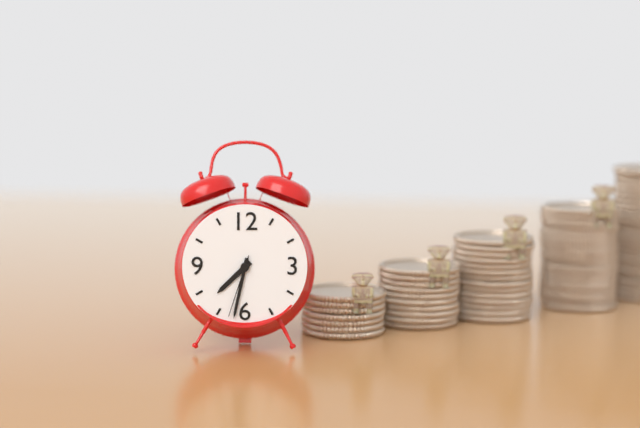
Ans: 7:32:33
